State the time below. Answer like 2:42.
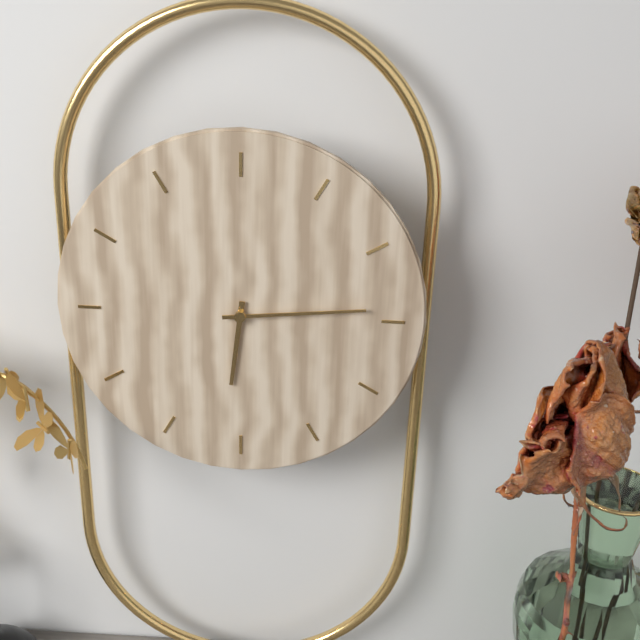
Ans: 6:14
